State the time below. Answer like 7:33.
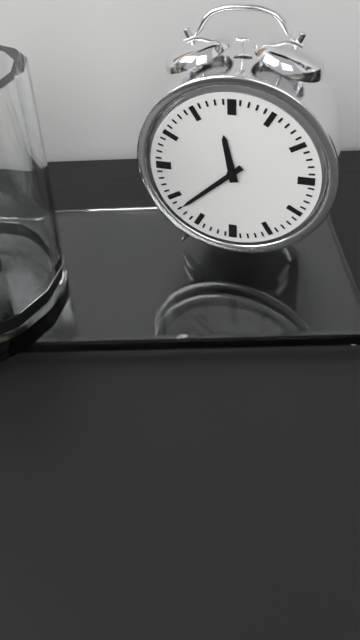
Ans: 11:38
